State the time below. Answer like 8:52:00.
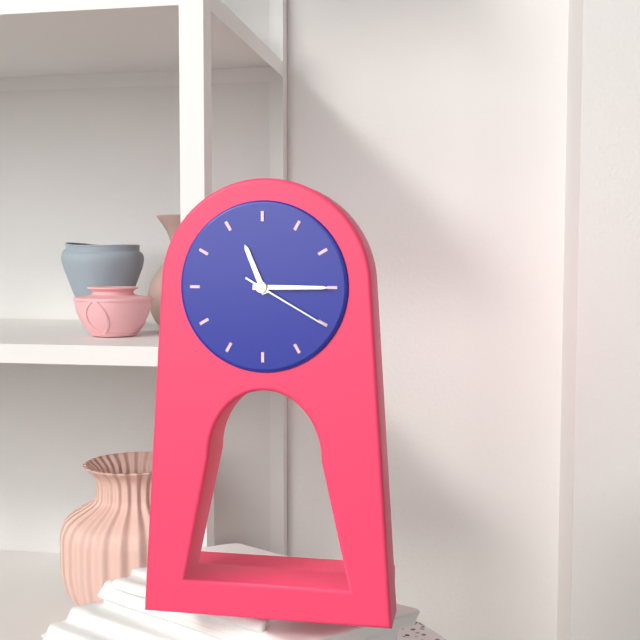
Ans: 11:15:20
